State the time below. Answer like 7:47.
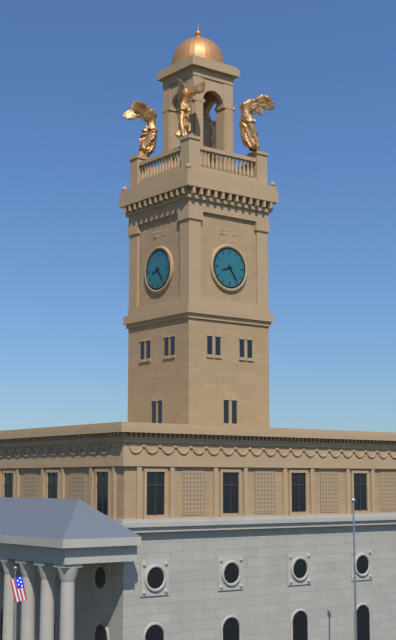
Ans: 8:24
